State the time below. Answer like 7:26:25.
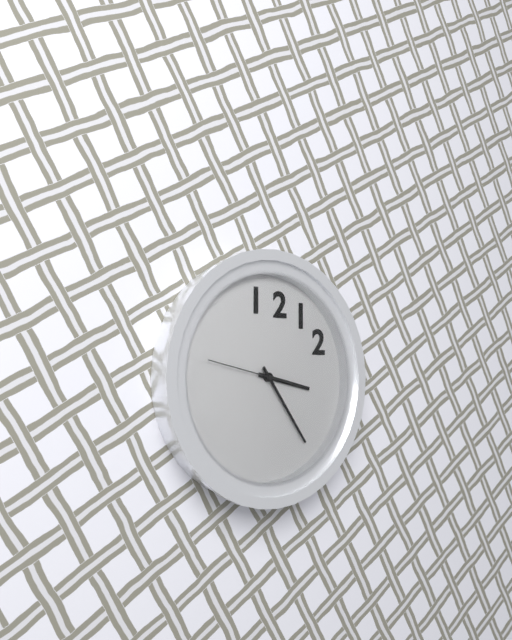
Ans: 3:24:47
